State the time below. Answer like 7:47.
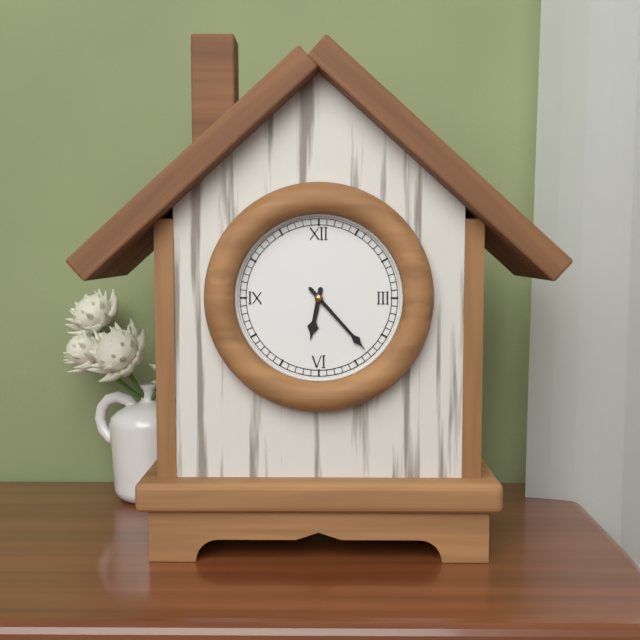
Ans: 6:23
